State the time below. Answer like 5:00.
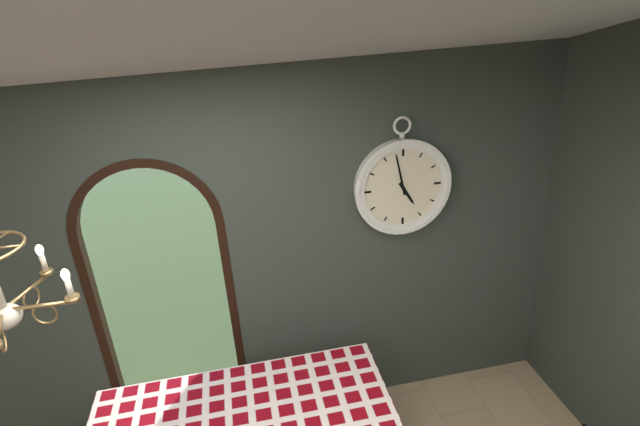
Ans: 4:58
